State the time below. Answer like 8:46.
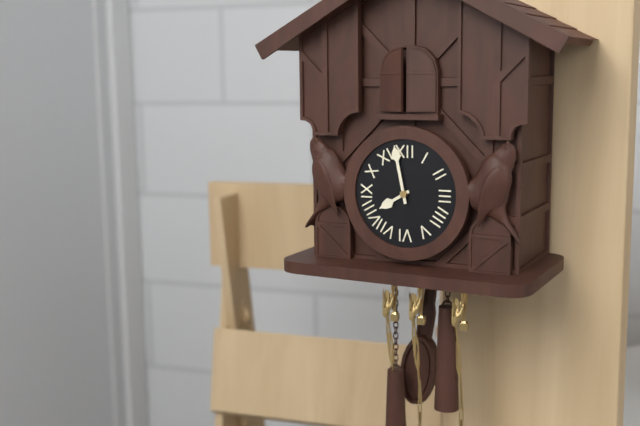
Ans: 7:58
